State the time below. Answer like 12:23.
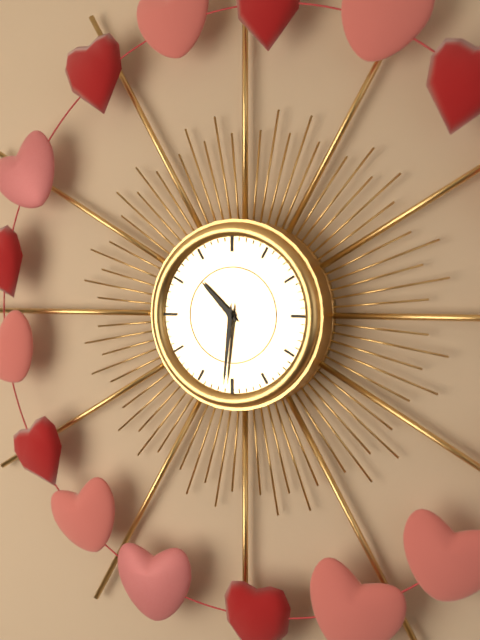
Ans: 10:31
